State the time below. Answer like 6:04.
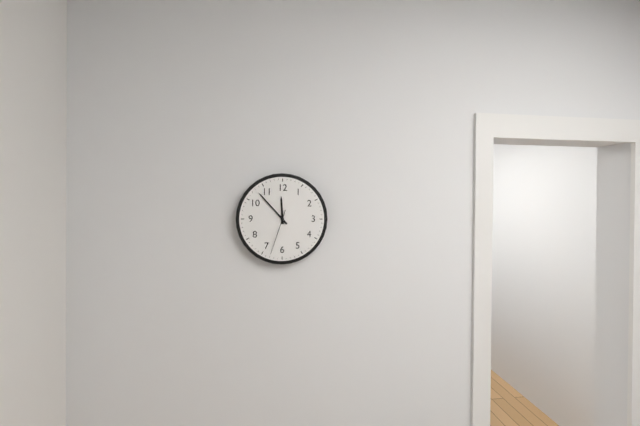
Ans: 11:53
